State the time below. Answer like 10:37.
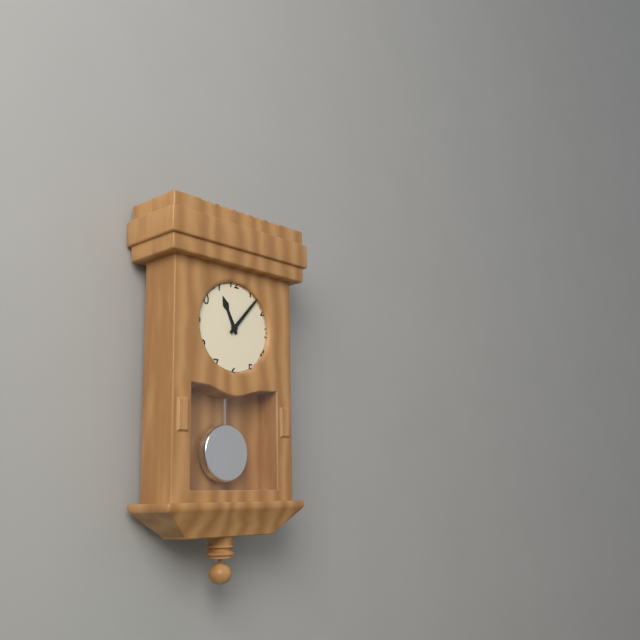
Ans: 11:07
